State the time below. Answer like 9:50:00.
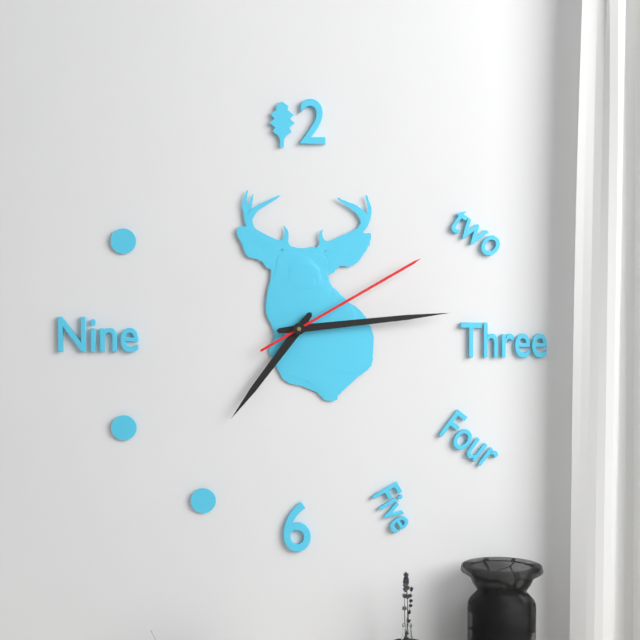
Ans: 7:14:10
